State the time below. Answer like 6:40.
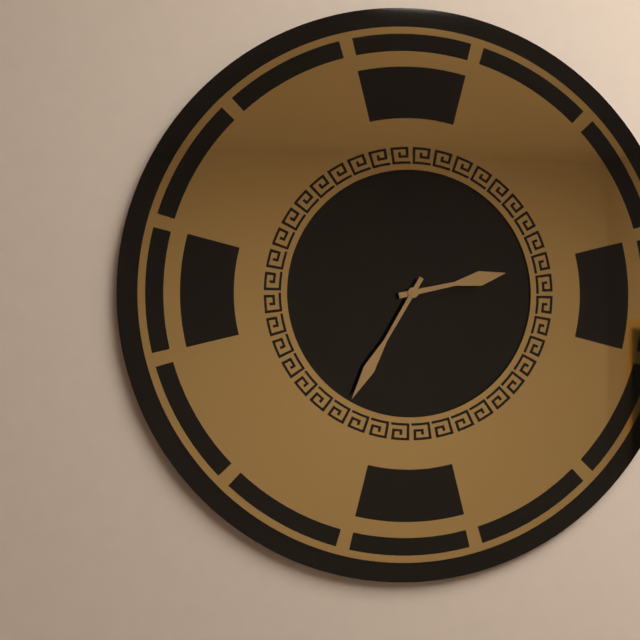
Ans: 2:35
